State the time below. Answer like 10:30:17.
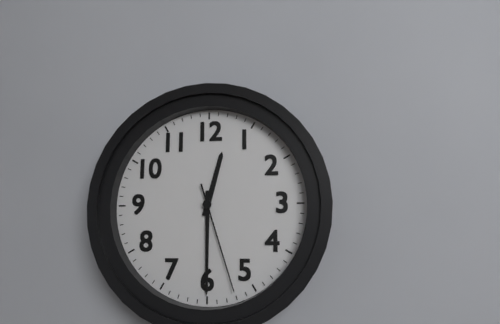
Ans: 12:30:27
